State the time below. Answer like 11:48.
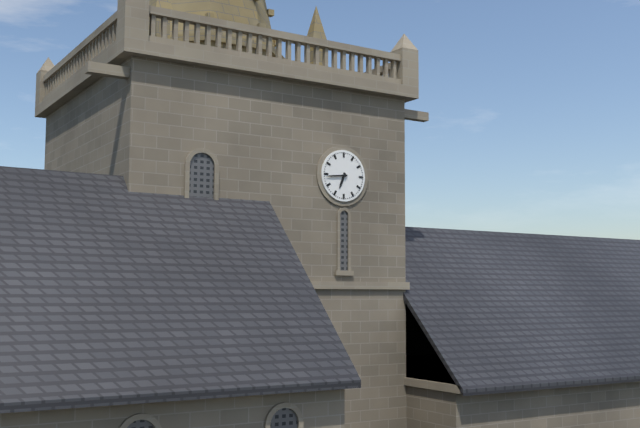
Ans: 6:44
